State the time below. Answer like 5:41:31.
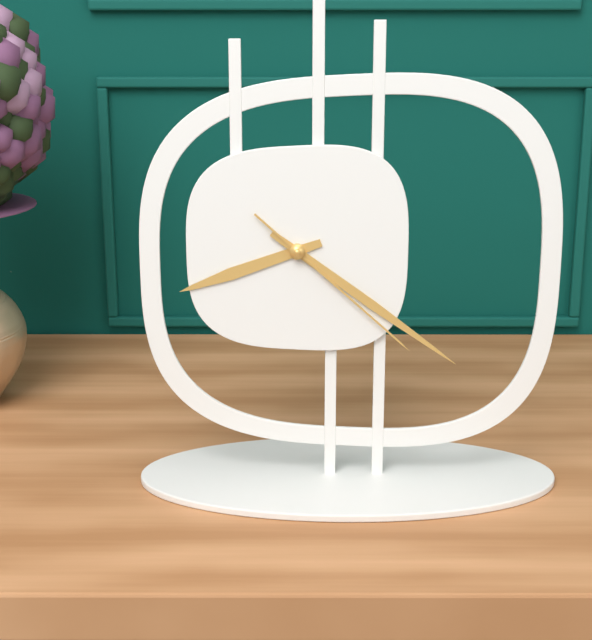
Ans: 8:21:22
